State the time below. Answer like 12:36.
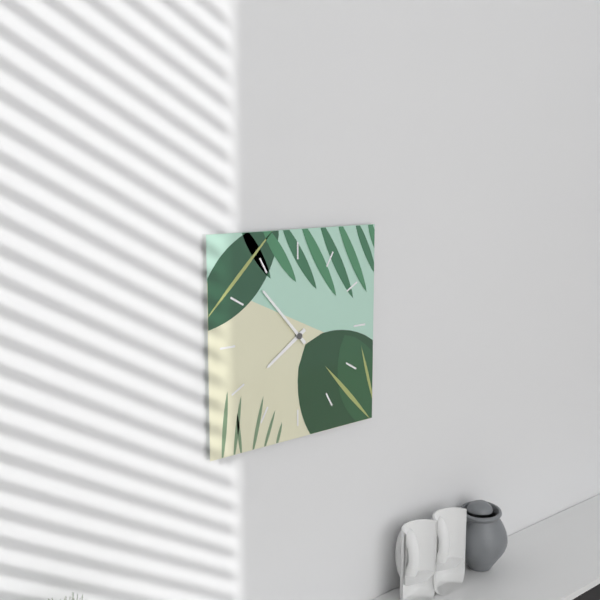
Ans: 7:53
